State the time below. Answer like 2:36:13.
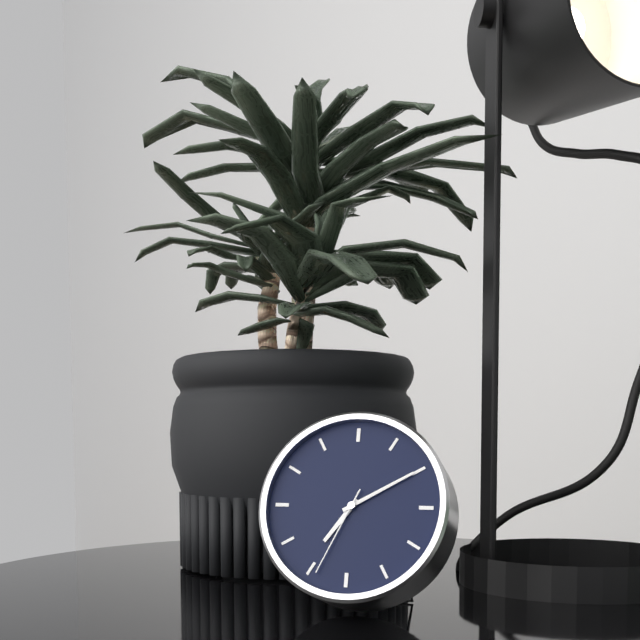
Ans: 7:10:34
